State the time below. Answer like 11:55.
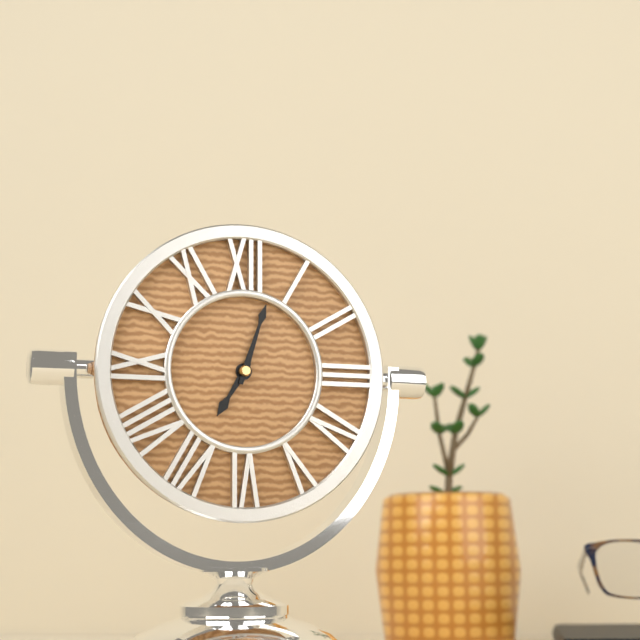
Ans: 7:03
